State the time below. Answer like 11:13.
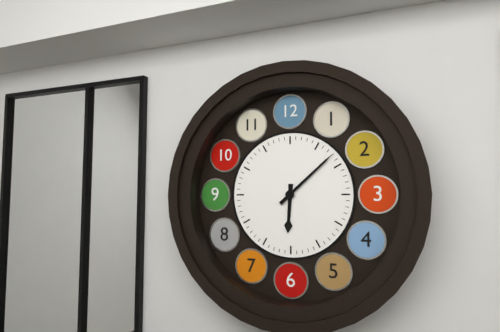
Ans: 6:08
